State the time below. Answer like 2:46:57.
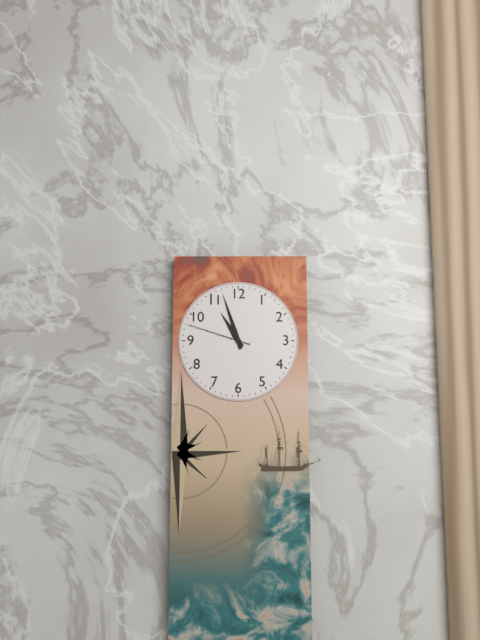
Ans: 10:57:48
